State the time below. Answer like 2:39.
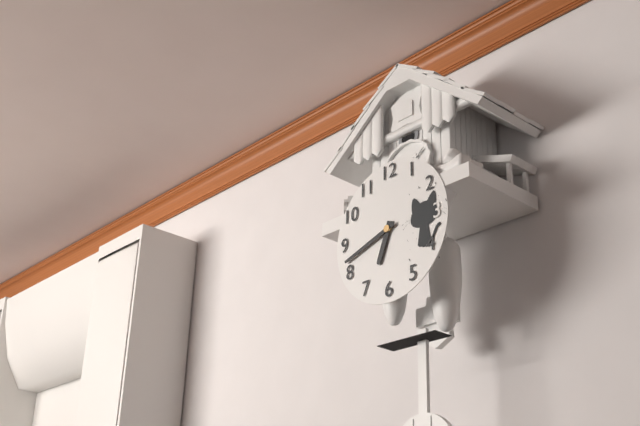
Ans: 6:42
